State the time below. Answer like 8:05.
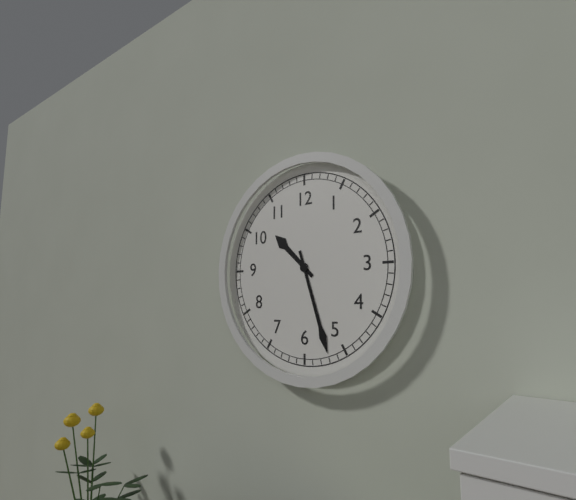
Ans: 10:27
